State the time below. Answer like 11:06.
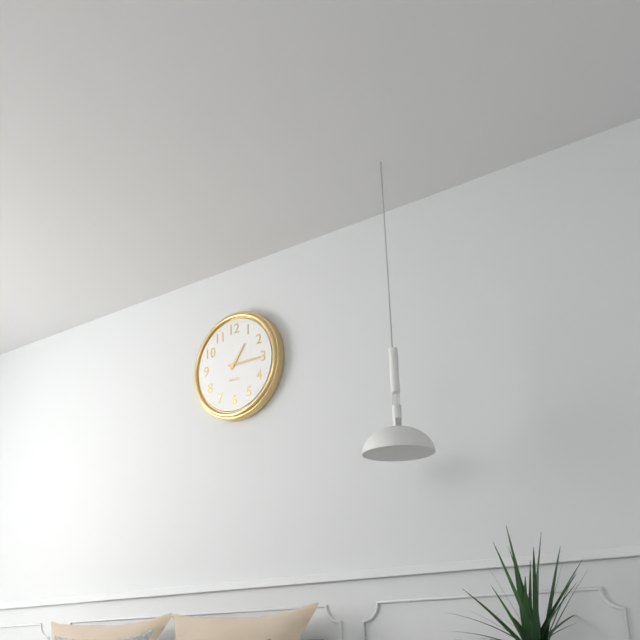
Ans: 1:15
